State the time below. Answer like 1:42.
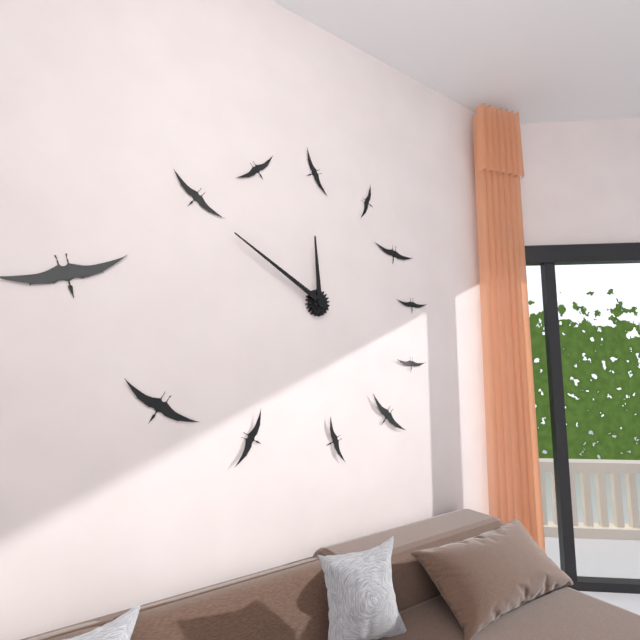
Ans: 11:50
